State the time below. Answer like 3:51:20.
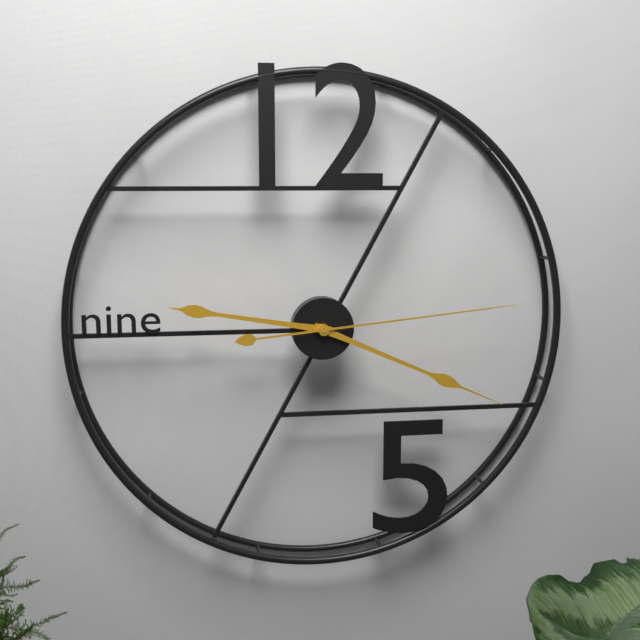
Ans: 9:19:14
